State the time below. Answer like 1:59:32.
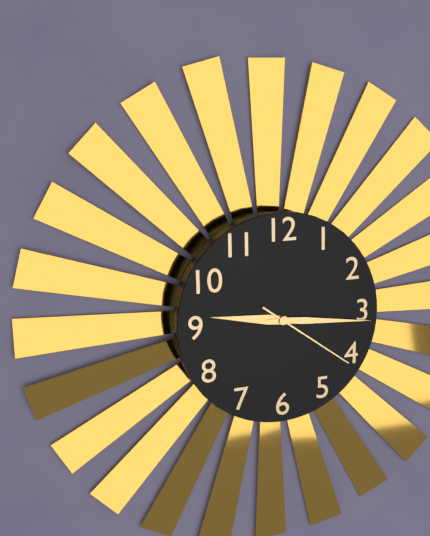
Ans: 9:16:21
